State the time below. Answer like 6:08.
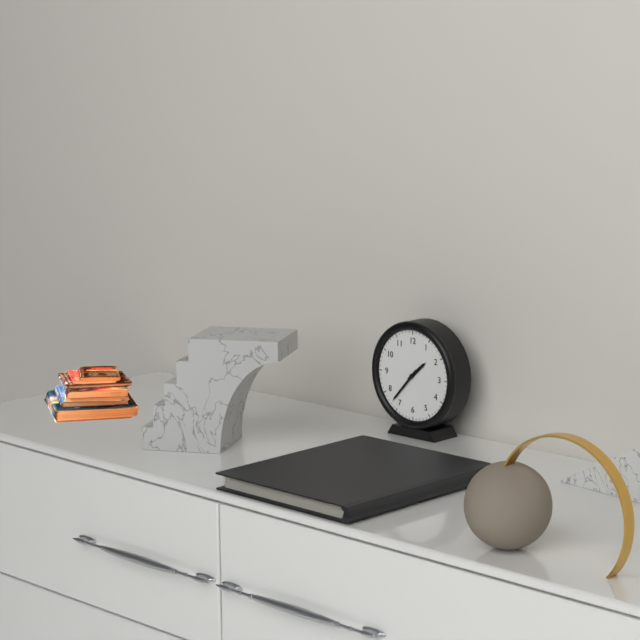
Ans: 1:37
